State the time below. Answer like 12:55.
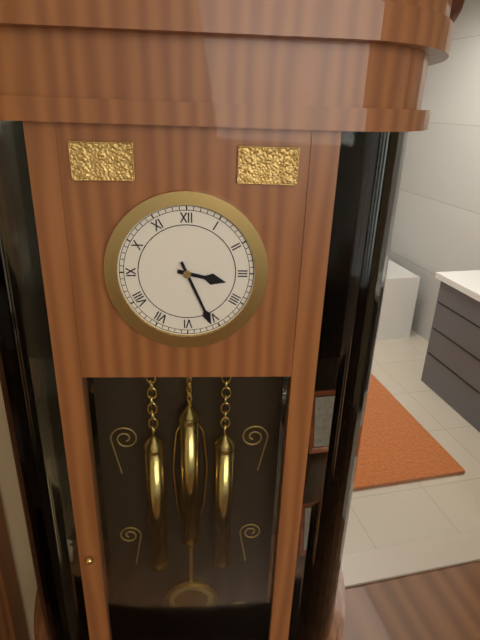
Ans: 3:26
